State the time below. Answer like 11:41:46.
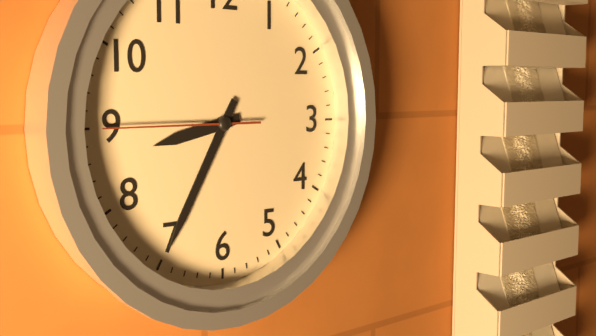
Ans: 8:35:45
